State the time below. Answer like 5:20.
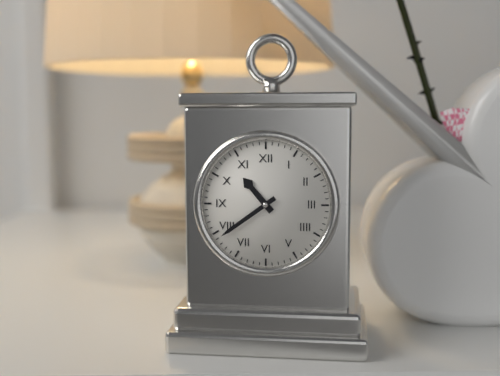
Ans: 10:39
